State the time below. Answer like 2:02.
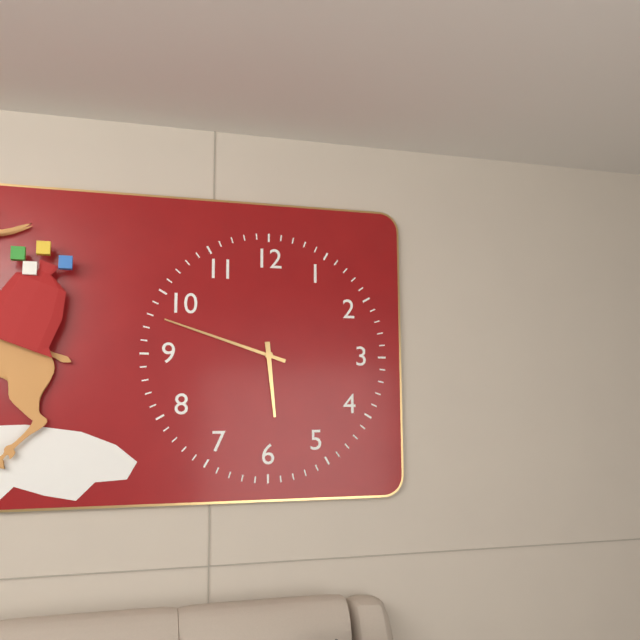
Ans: 5:48
